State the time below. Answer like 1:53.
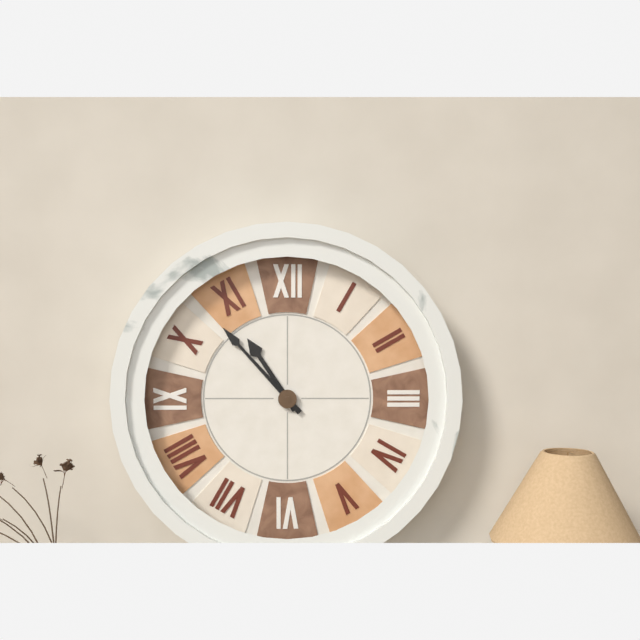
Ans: 10:53
